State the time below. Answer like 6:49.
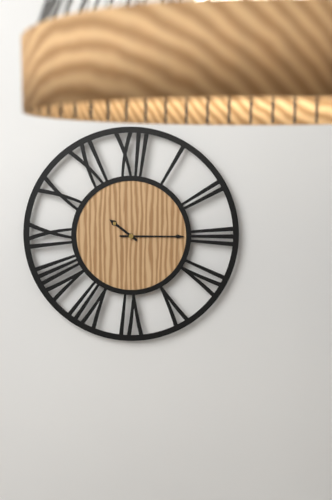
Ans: 10:15
